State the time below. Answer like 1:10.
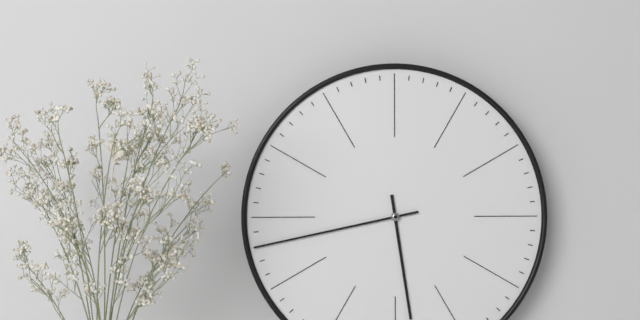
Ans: 5:43
